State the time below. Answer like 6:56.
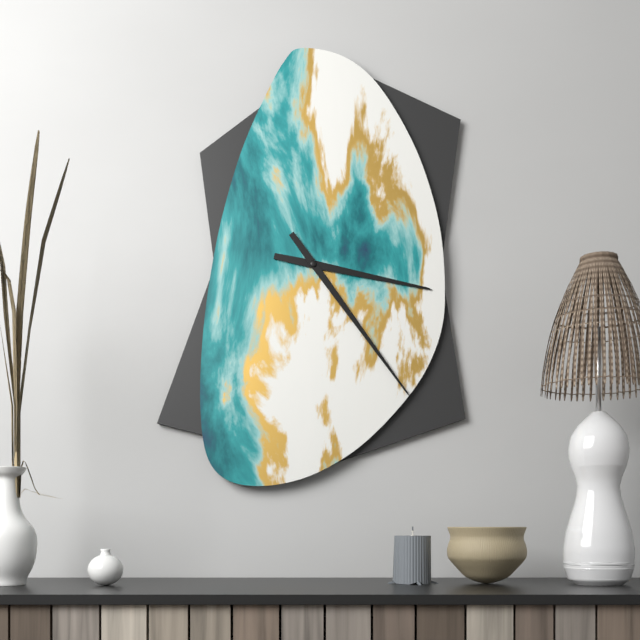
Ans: 3:24
